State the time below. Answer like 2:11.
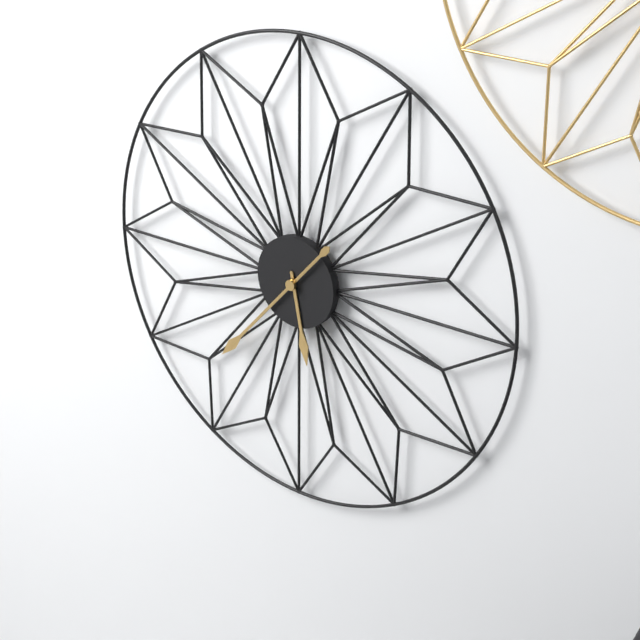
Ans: 5:37
